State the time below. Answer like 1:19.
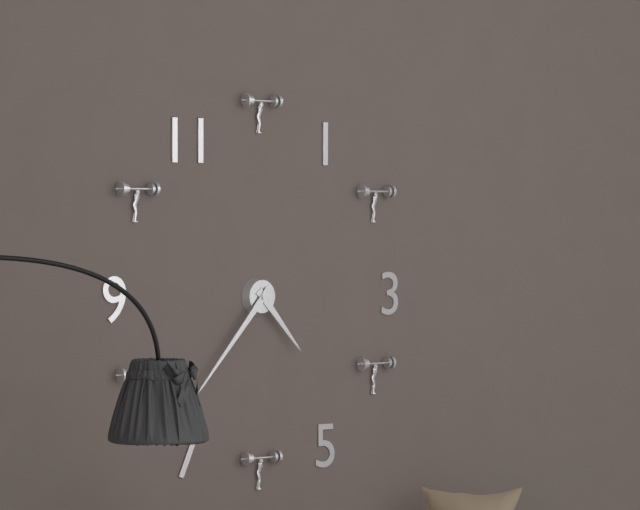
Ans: 4:37
